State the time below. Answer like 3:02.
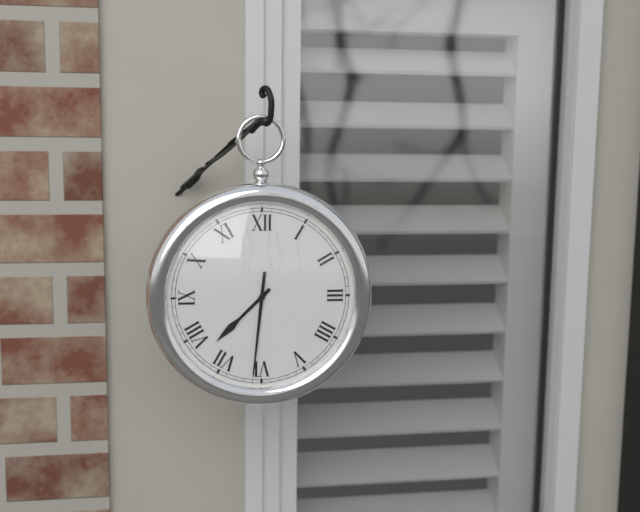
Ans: 7:31
